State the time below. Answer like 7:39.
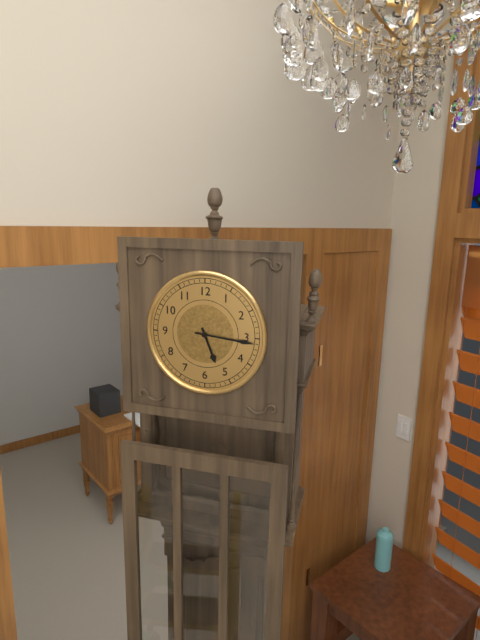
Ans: 5:16
